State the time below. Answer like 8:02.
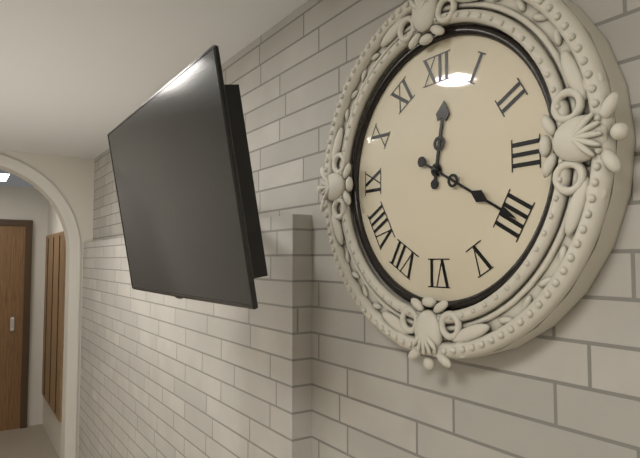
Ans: 12:20
